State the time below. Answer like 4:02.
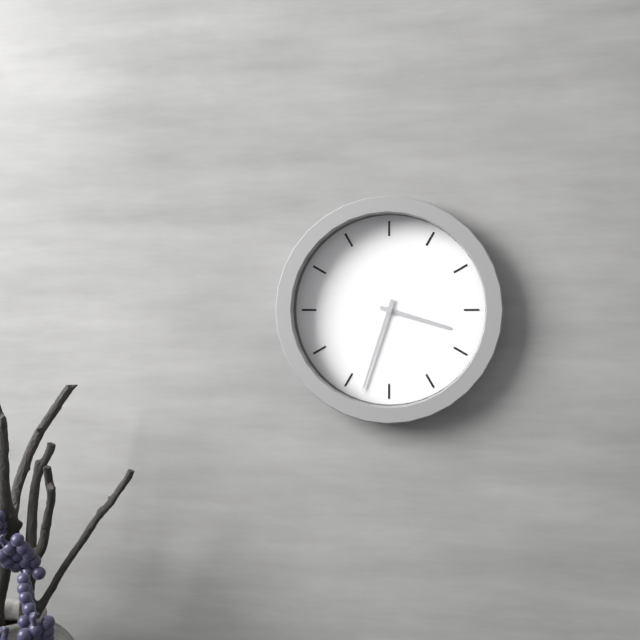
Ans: 3:33
